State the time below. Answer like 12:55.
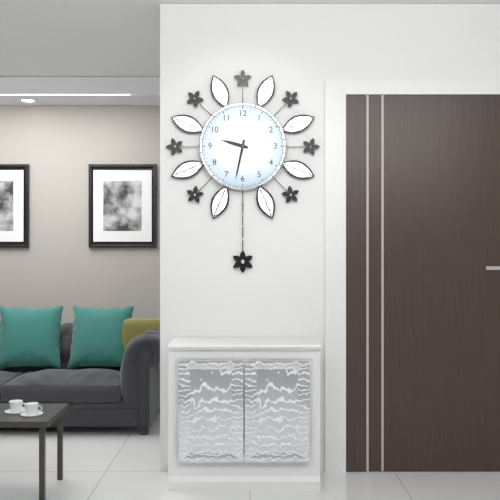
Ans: 9:32
